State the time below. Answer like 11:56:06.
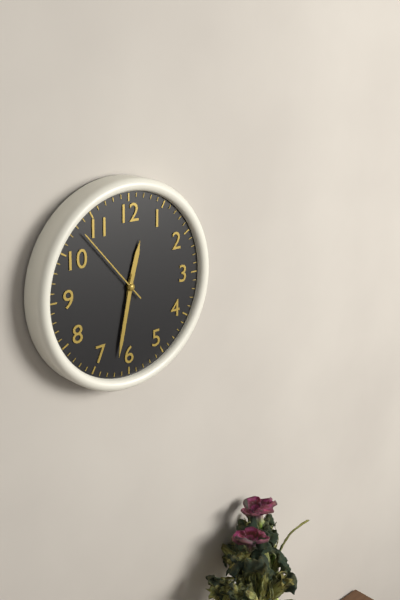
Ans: 12:32:53
